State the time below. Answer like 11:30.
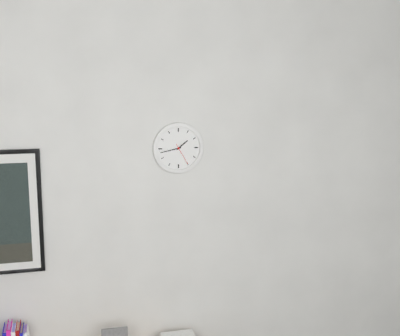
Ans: 1:43
